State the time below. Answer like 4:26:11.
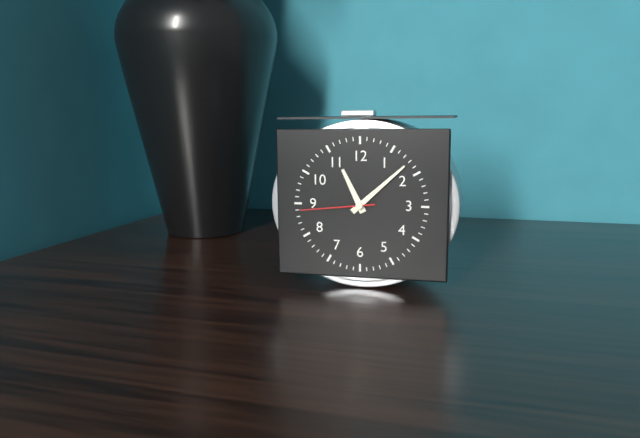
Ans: 11:08:44
